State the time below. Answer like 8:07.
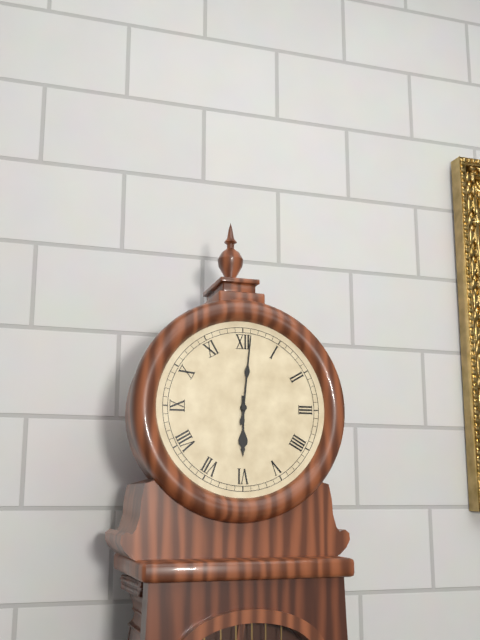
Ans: 6:01
